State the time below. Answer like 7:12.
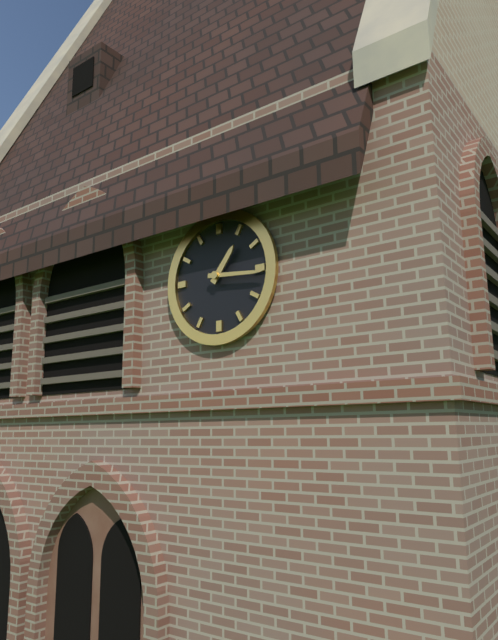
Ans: 1:16
